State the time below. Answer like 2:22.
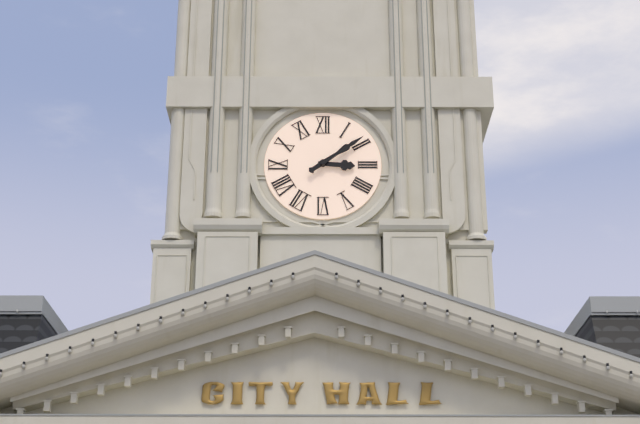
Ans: 3:09
